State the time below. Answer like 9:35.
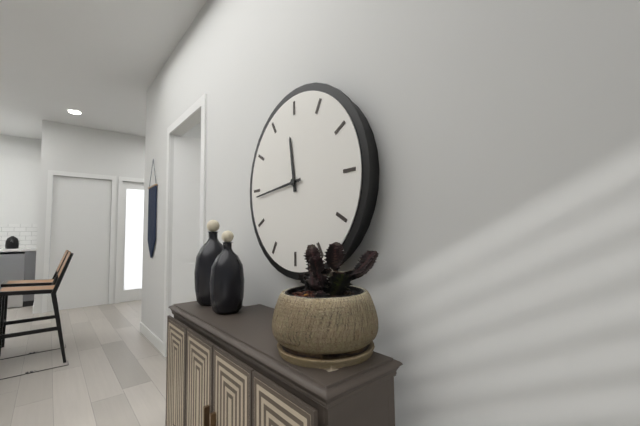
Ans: 11:44
